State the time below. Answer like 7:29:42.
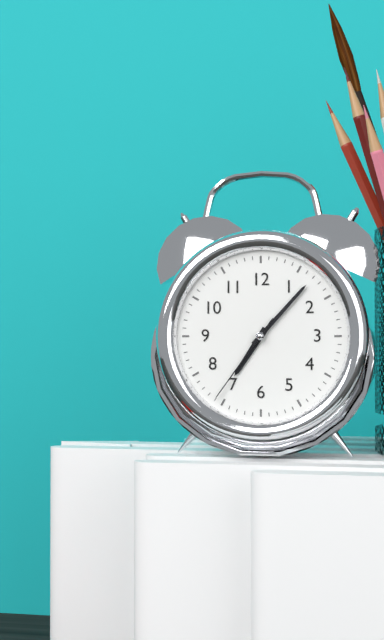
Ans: 7:07:36
